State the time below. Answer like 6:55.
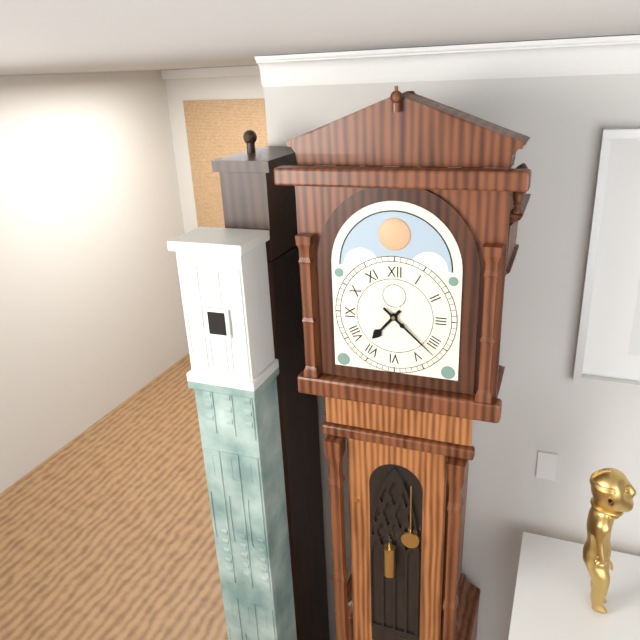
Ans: 7:22
